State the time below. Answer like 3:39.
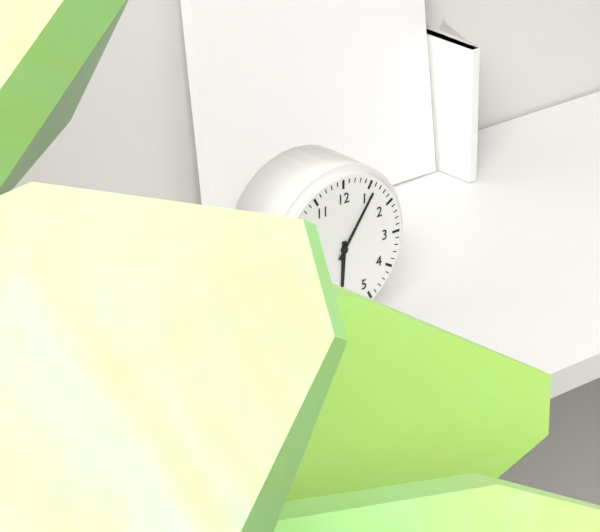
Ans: 6:06
